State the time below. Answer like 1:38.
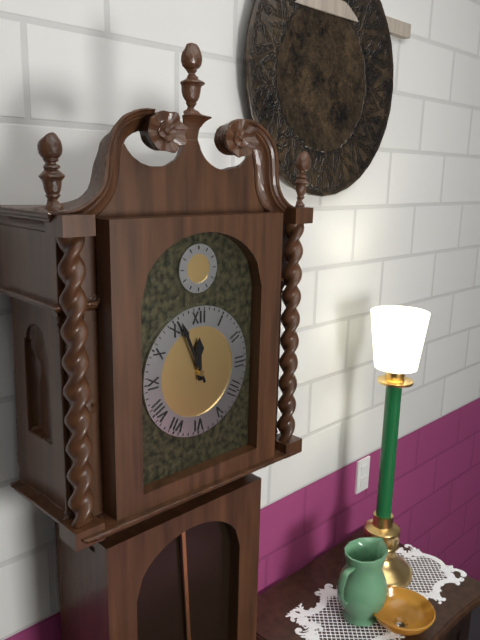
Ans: 11:56
